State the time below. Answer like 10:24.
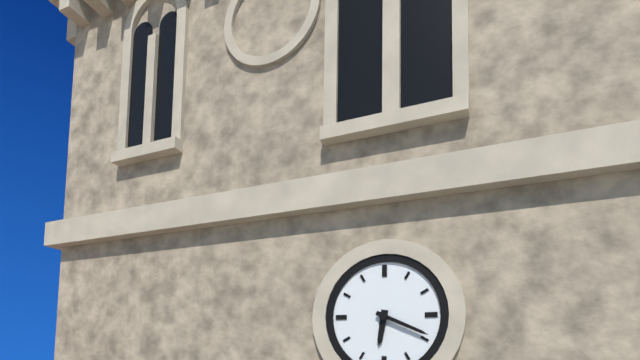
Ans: 6:19
